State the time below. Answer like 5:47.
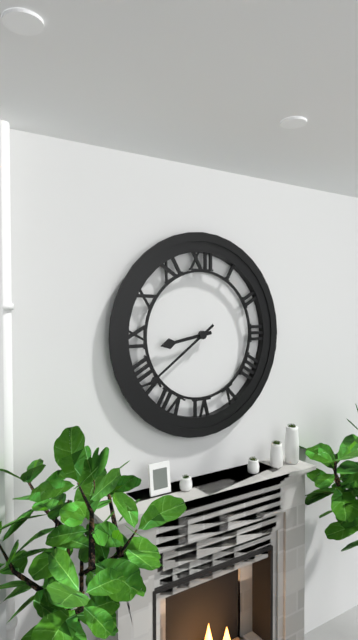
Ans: 8:39
